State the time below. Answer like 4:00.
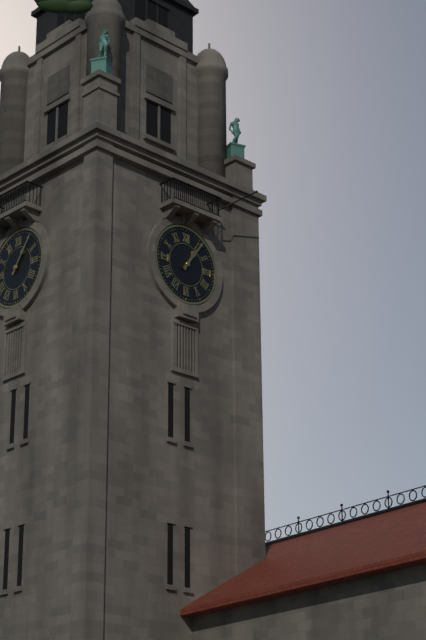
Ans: 1:06
